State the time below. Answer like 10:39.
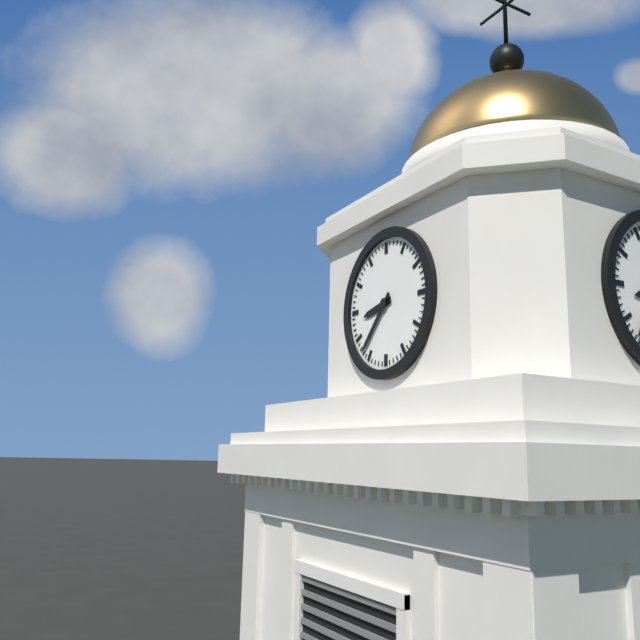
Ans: 8:37
